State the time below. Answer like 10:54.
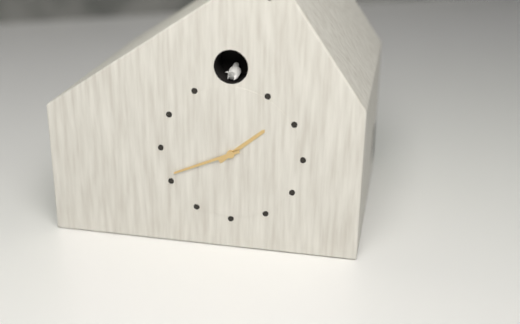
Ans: 1:41
